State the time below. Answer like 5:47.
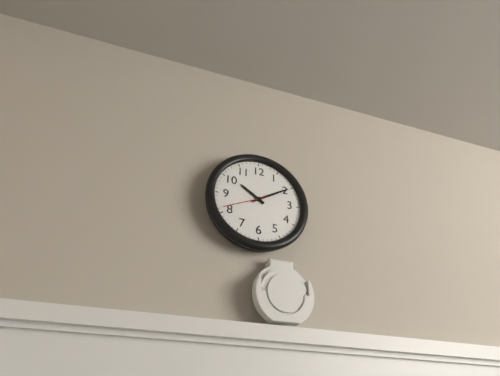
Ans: 10:10
